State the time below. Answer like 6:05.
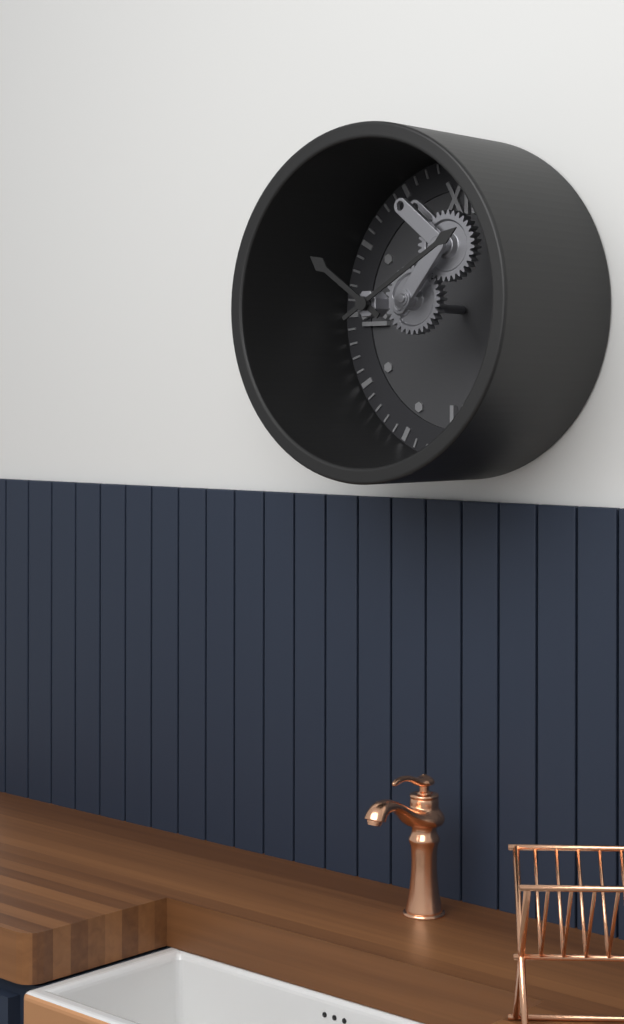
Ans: 10:10
